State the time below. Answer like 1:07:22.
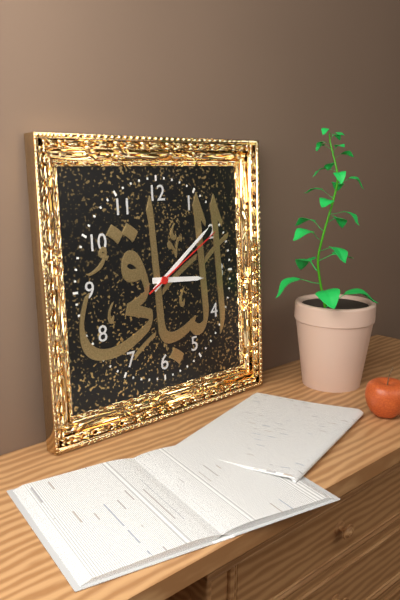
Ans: 3:09:10
